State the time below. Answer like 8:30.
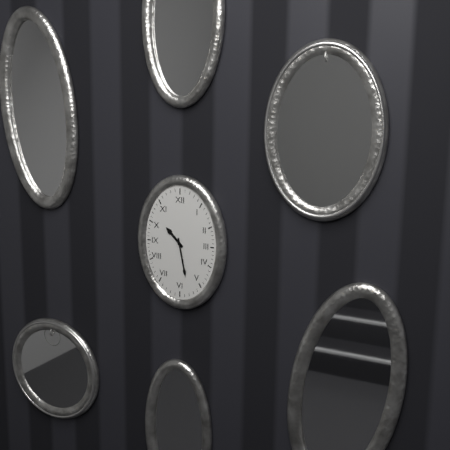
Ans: 10:28
